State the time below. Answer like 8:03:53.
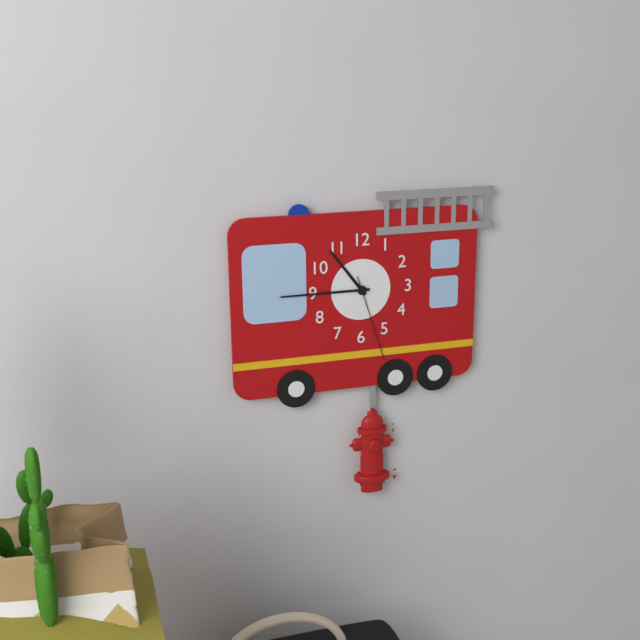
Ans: 10:45:27
